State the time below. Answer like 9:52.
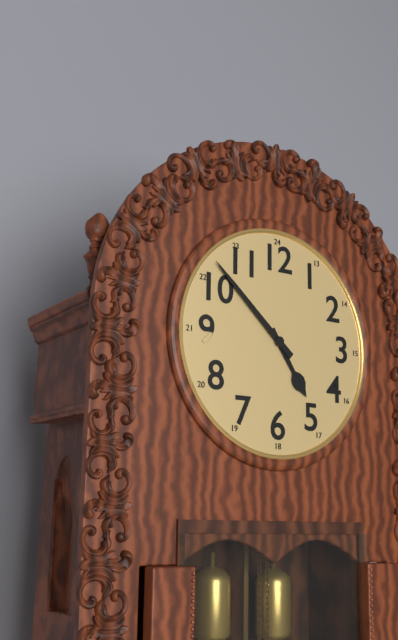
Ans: 4:52
